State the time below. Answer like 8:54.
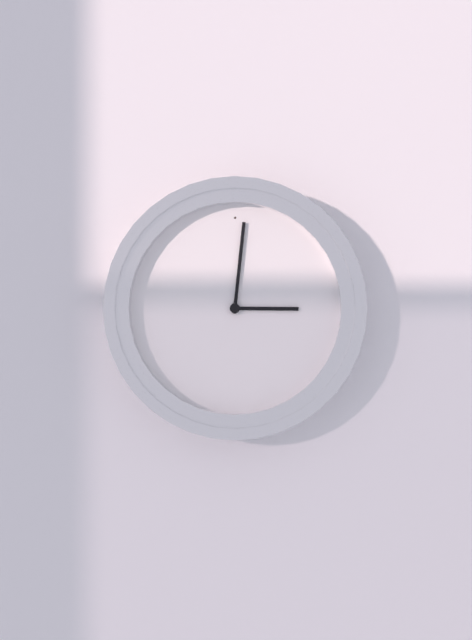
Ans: 3:01
